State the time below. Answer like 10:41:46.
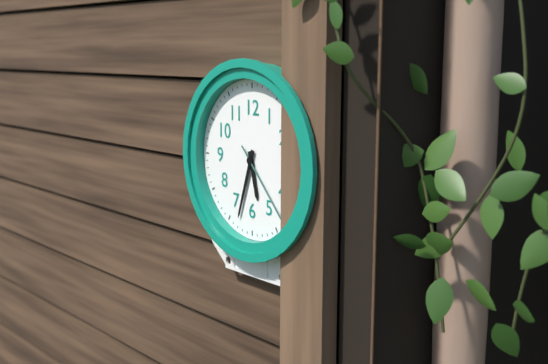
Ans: 5:33:23
